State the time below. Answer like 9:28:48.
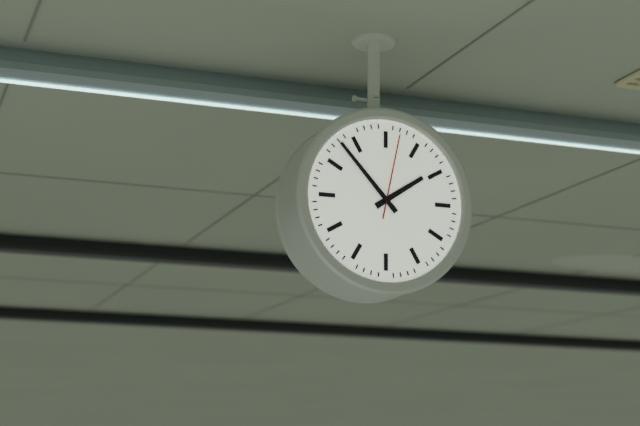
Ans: 1:53:02
